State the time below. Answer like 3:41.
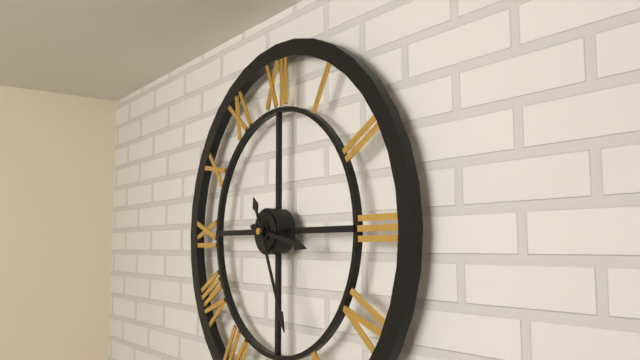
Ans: 3:26
